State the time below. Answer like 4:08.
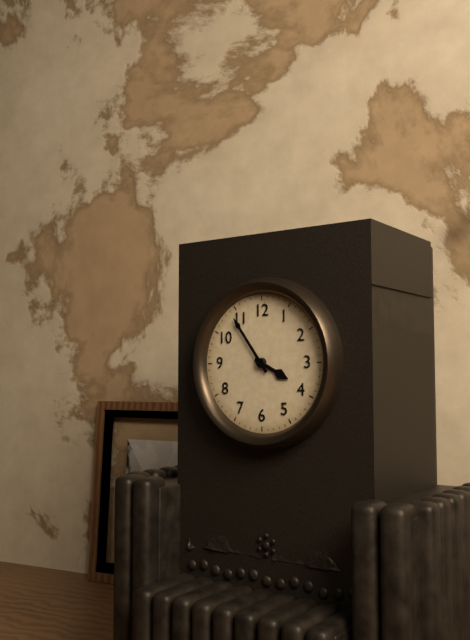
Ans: 3:54
